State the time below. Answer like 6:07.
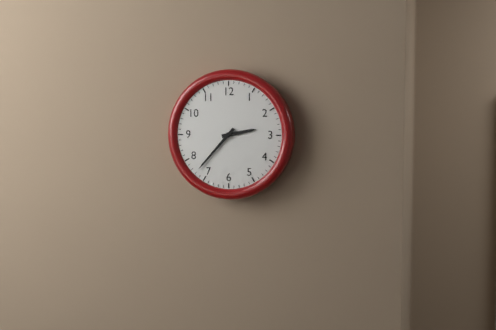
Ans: 2:37
